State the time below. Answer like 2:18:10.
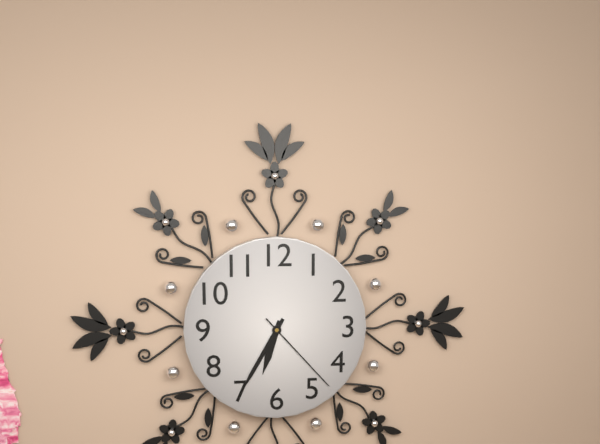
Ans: 6:35:23
